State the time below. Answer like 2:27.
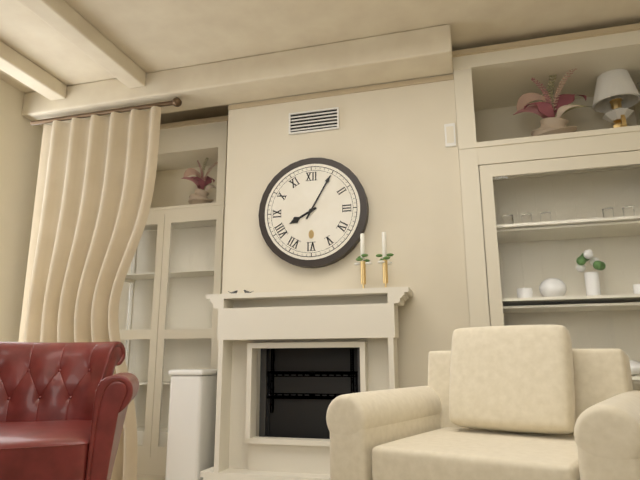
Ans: 8:05
